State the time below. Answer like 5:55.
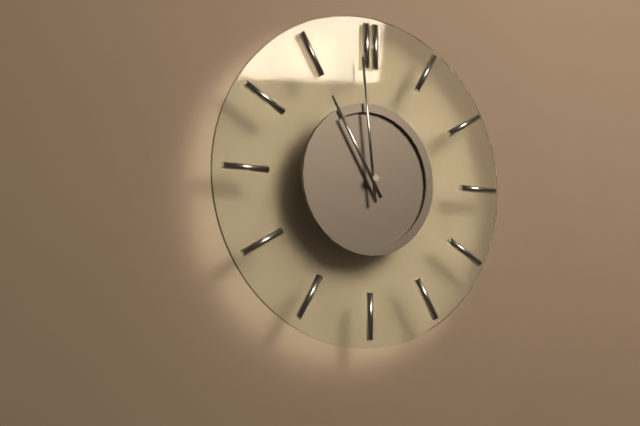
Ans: 10:59
